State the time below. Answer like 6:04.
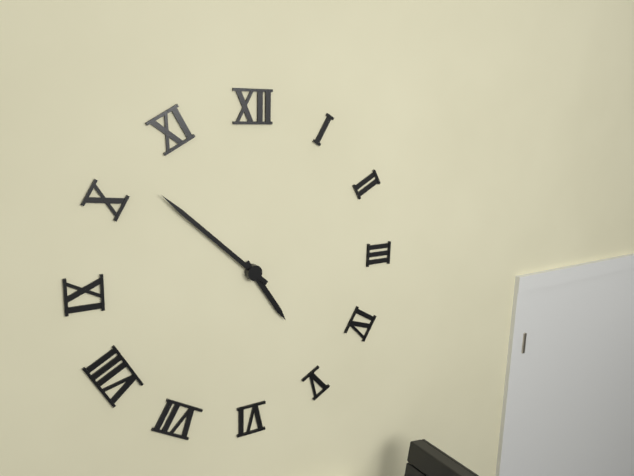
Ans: 4:52
